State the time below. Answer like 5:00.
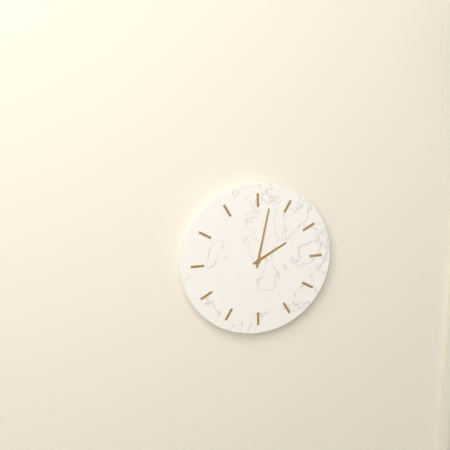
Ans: 2:02
